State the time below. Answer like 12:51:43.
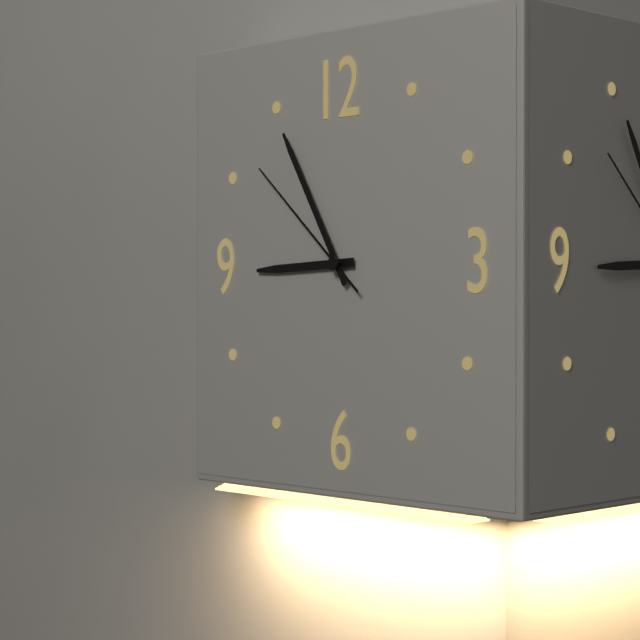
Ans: 8:55:52
